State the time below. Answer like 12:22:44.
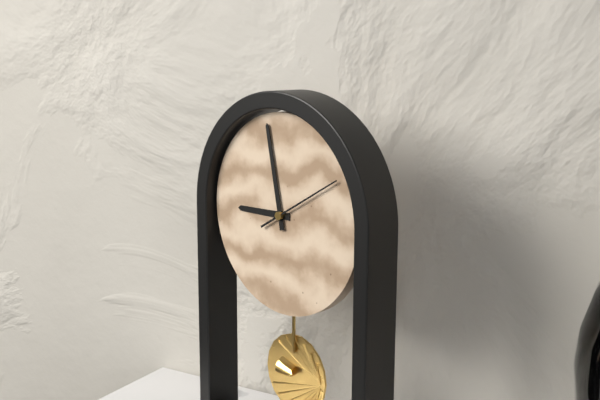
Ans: 8:58:10
